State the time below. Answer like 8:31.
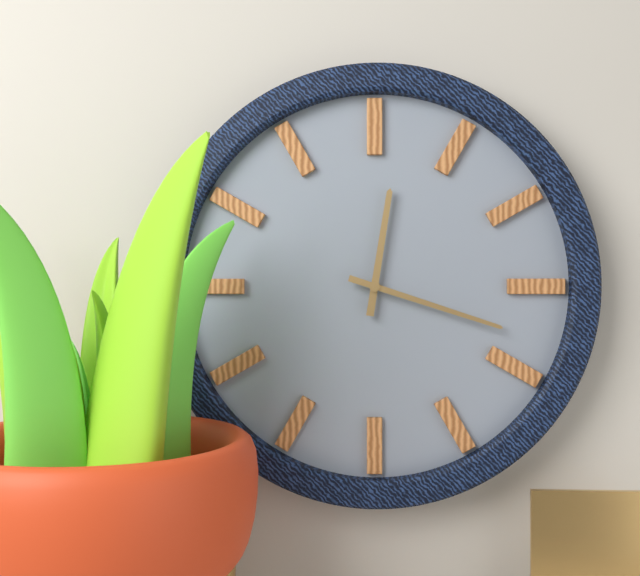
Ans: 12:18
